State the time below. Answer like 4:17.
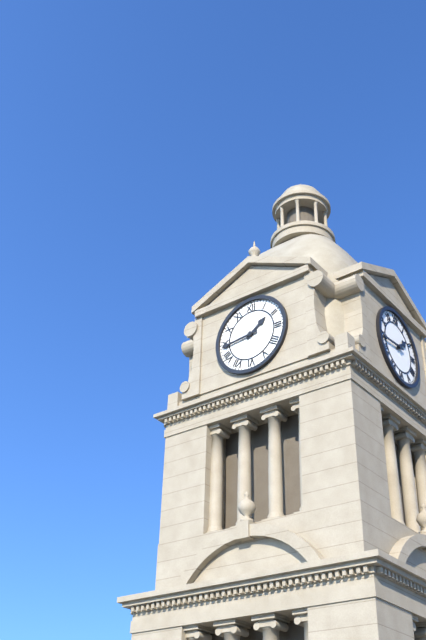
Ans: 1:44
